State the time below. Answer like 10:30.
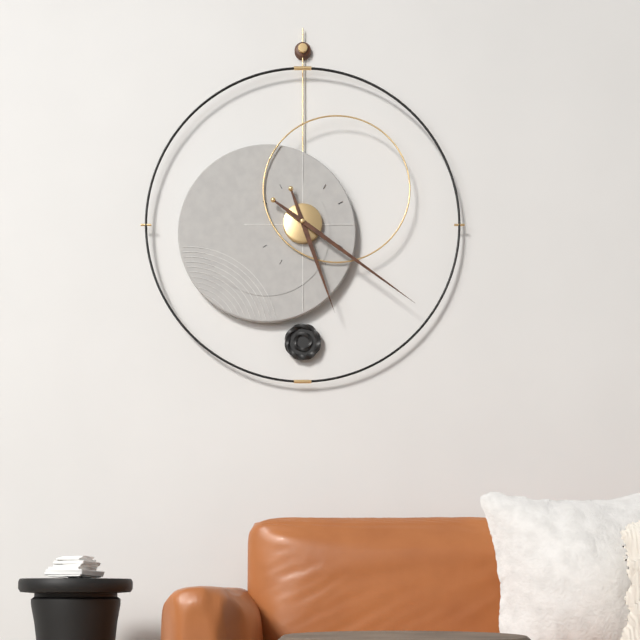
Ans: 5:21
